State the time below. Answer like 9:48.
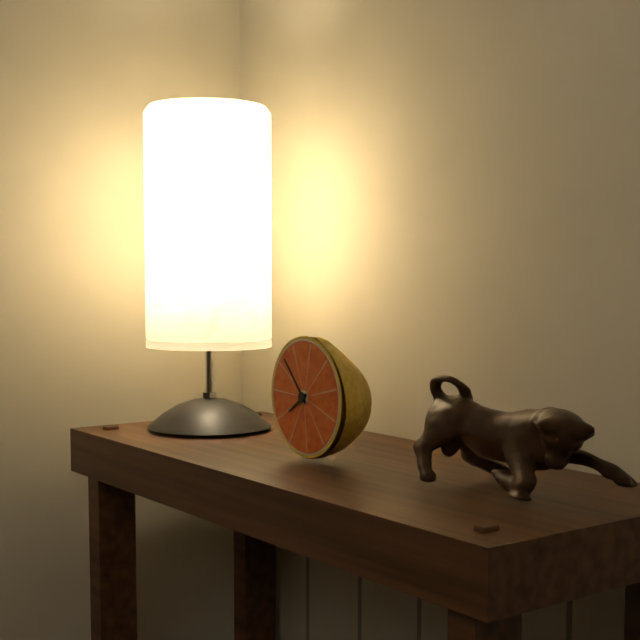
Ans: 7:53
